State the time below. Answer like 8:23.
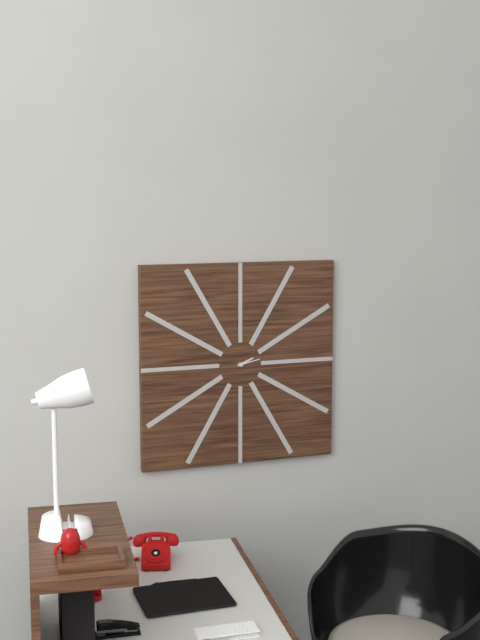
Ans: 2:13
